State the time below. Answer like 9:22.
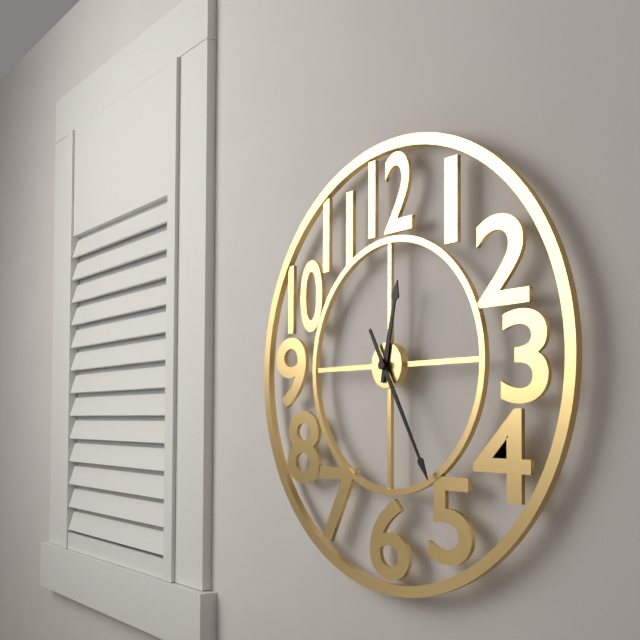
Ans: 12:25
